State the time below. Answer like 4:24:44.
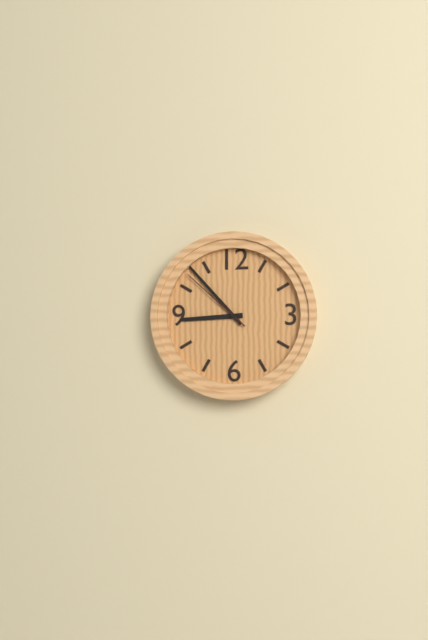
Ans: 8:53:52
